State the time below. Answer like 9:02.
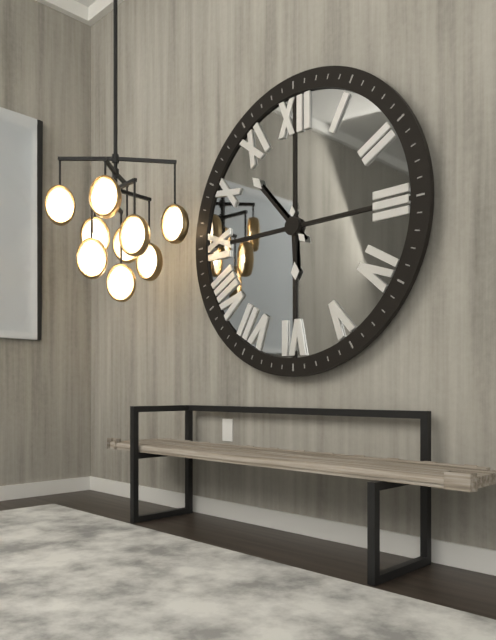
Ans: 5:53
